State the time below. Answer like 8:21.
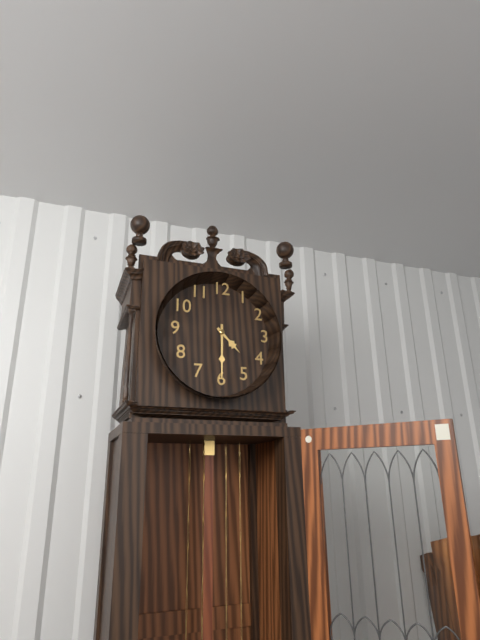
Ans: 4:30
